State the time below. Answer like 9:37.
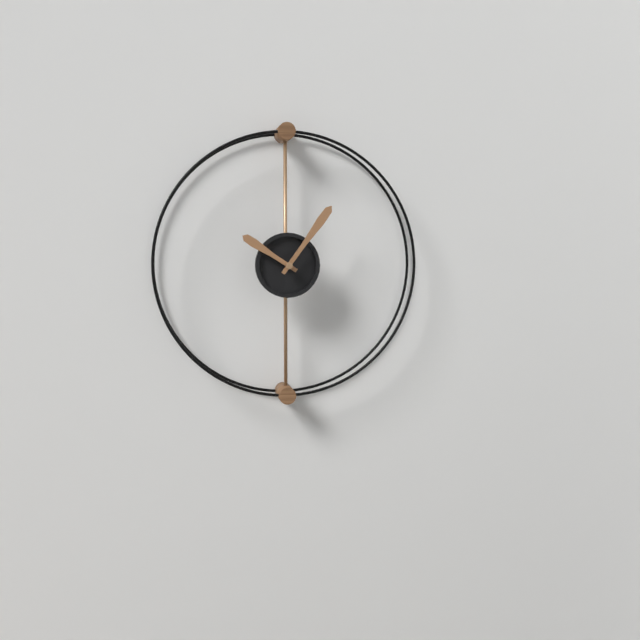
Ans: 10:06
